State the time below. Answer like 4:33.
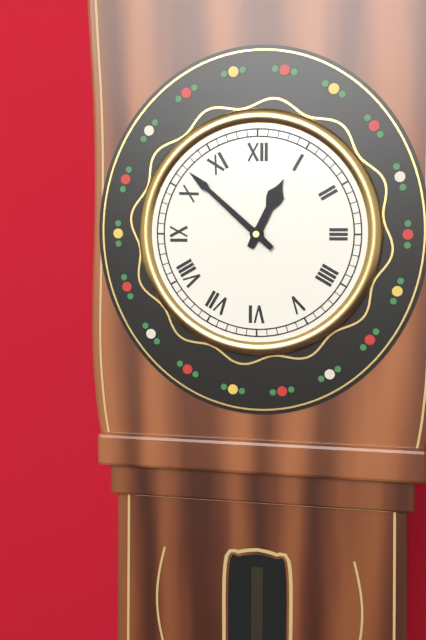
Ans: 12:52
